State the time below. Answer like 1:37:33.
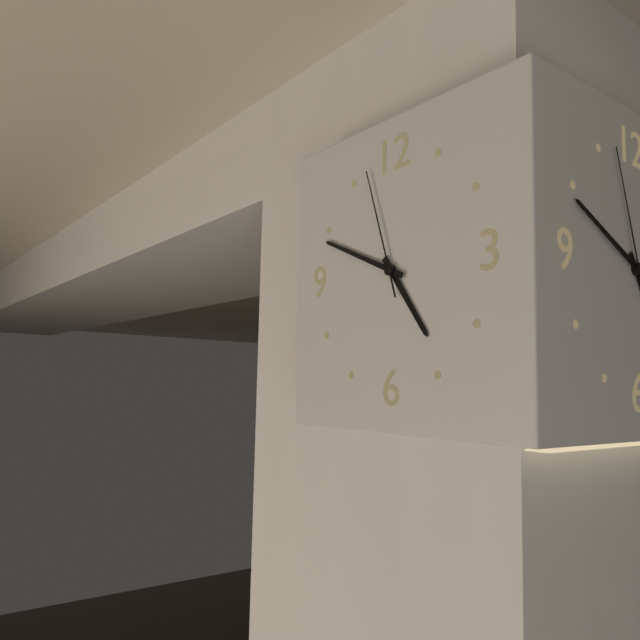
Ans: 4:49:57
